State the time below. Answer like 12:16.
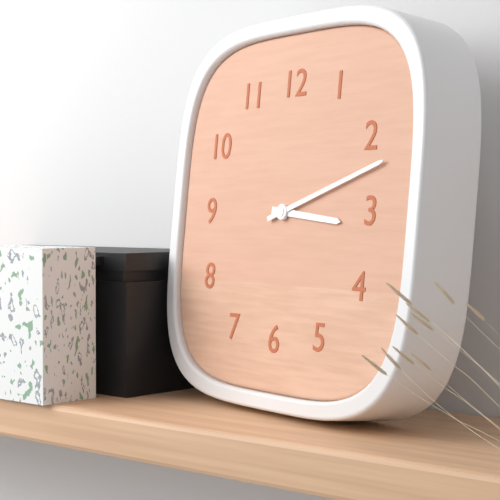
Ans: 3:12
